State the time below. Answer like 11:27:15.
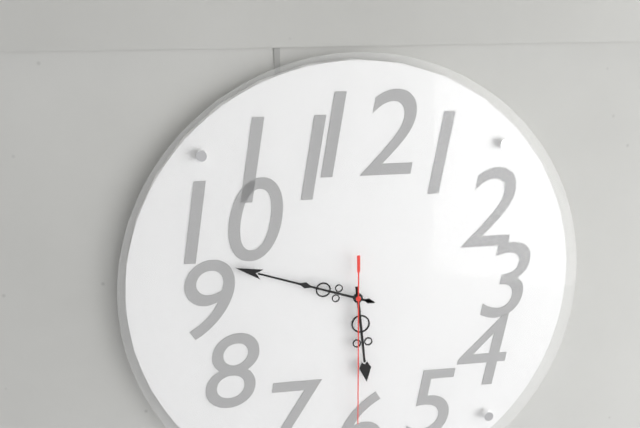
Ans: 5:48:30
